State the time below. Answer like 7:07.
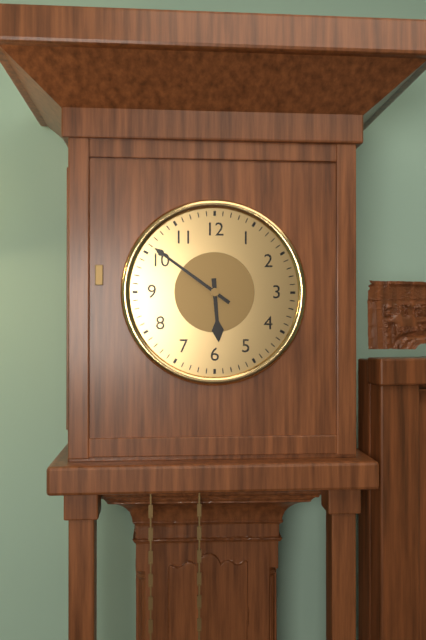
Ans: 5:51
